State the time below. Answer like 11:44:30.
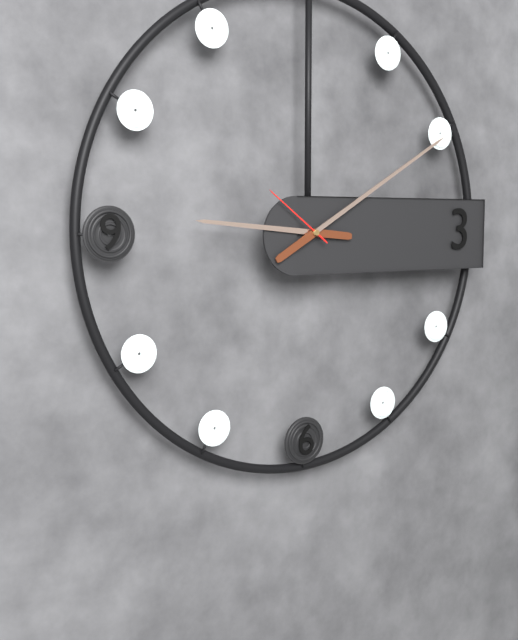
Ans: 9:10:51
